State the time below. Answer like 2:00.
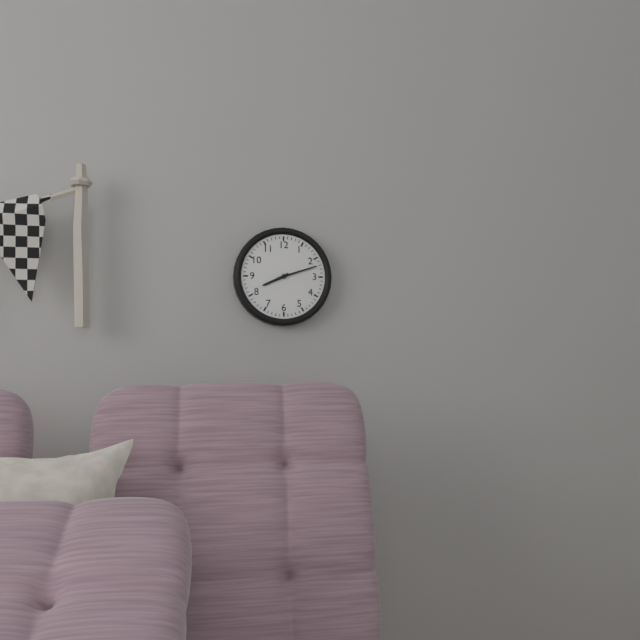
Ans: 8:12
